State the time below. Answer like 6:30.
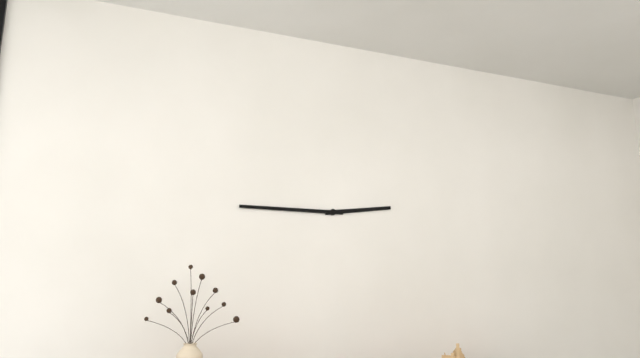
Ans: 2:45
